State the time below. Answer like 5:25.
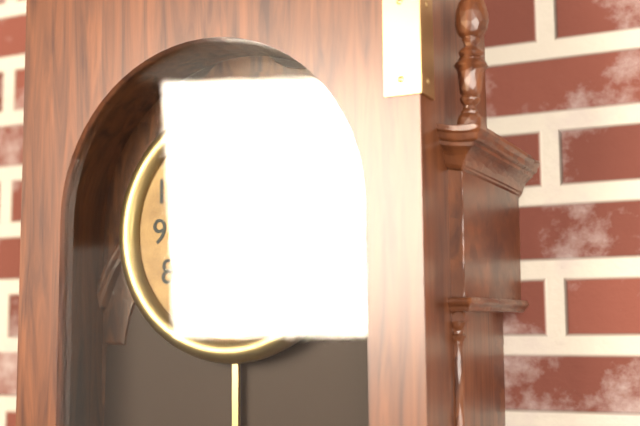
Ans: 7:36
